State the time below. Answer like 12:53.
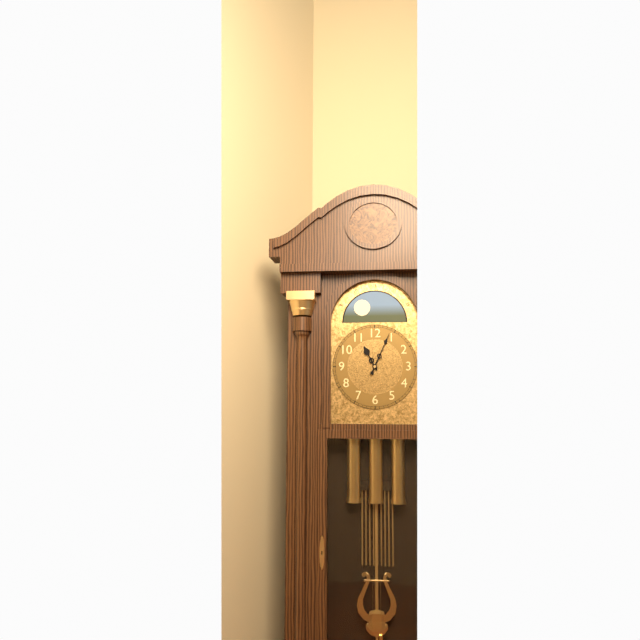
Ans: 11:04
